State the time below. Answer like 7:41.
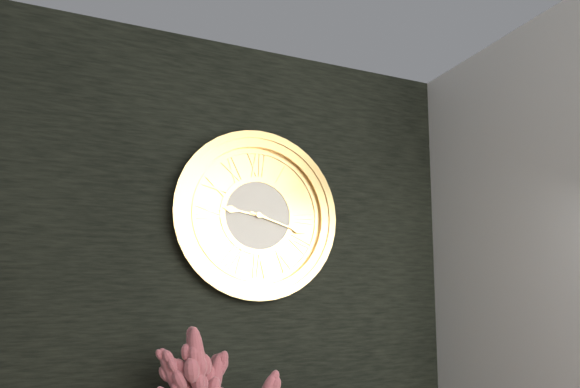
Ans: 9:18
